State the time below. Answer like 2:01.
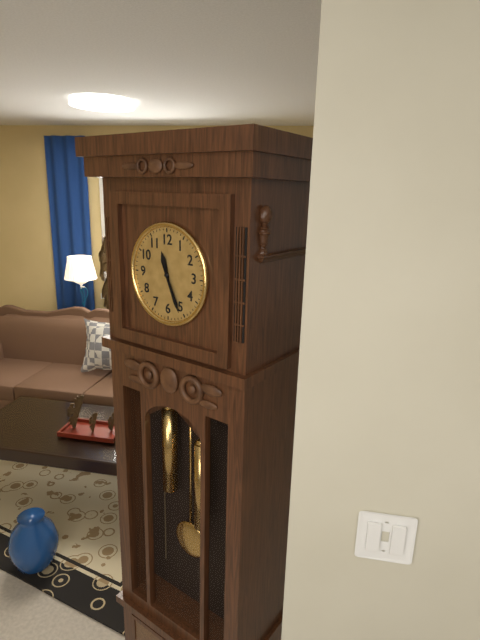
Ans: 11:26
